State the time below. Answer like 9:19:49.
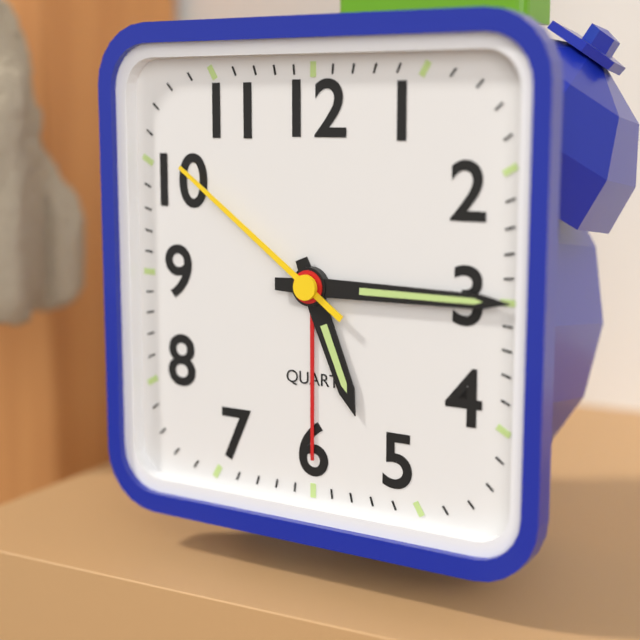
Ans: 5:15:51
